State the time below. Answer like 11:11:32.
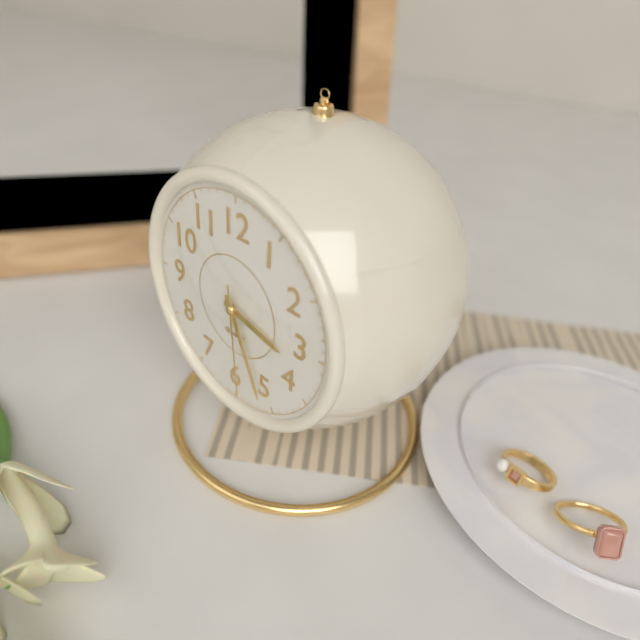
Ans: 3:26:29
